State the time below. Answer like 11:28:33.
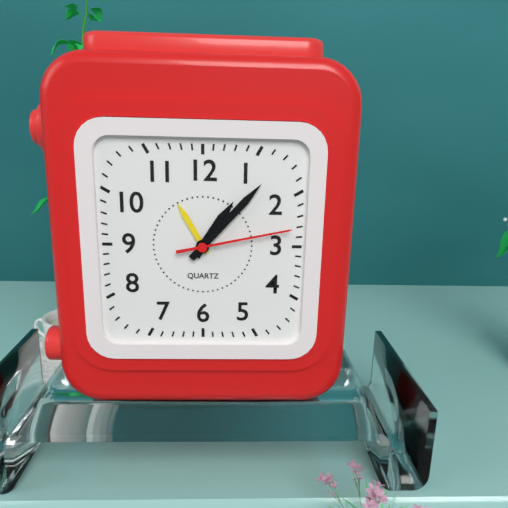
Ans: 1:07:13
